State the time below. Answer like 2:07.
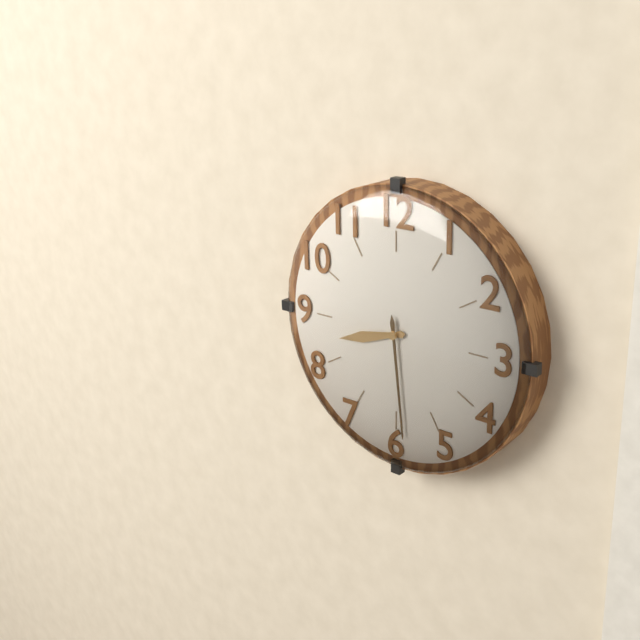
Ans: 8:29
